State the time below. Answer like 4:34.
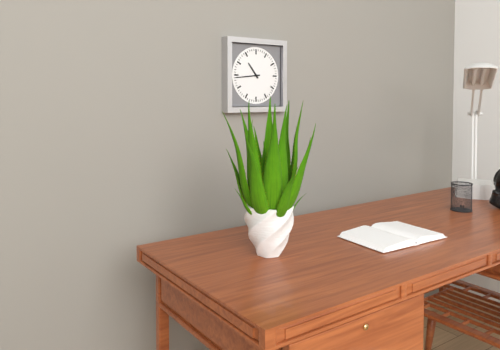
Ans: 10:44
